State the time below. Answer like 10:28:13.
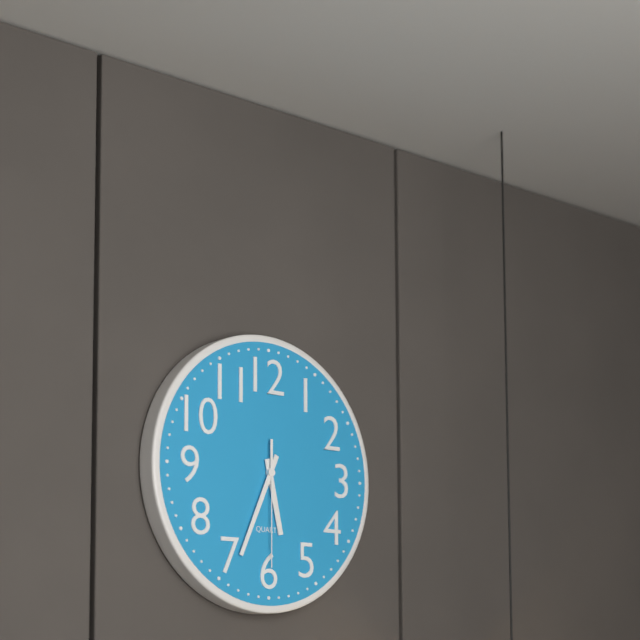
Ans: 5:34:30
